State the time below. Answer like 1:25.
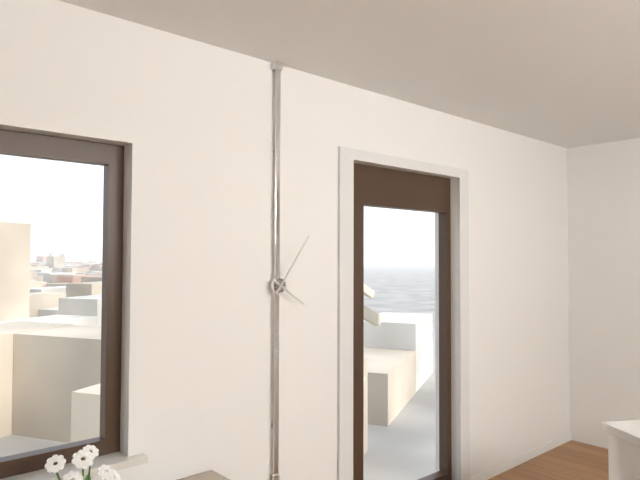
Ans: 4:06
